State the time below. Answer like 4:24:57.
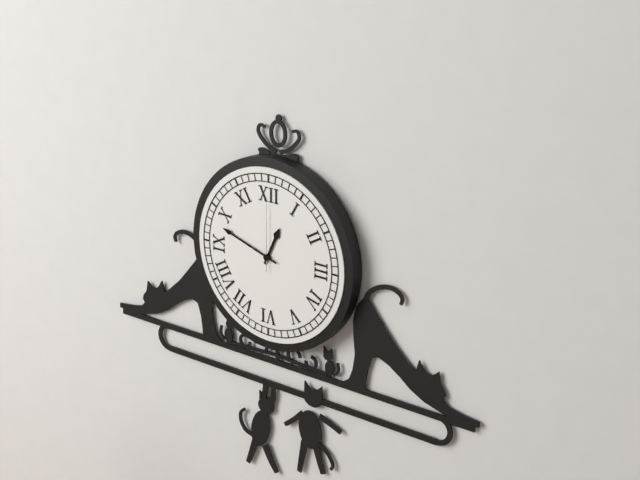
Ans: 12:48:00
